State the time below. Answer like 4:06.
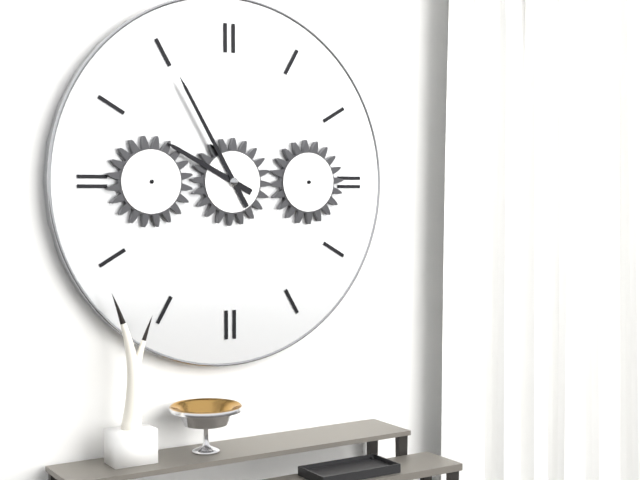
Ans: 9:55
